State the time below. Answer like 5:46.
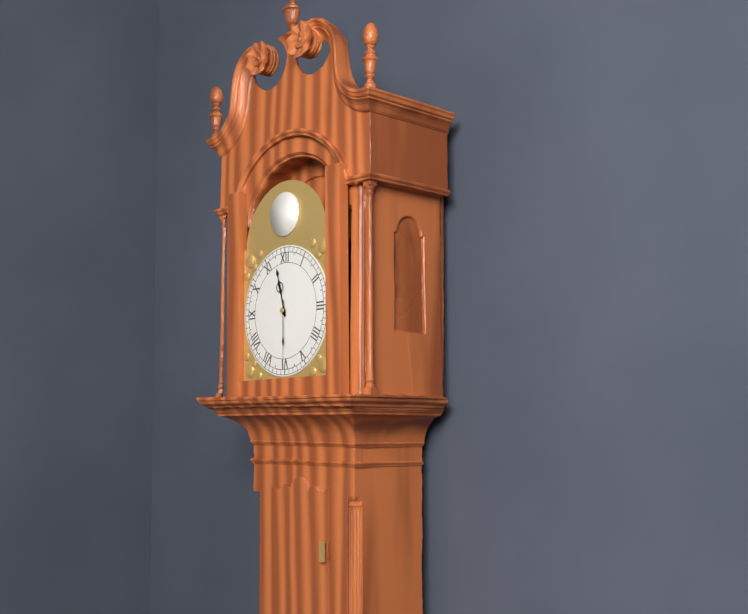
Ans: 11:30
